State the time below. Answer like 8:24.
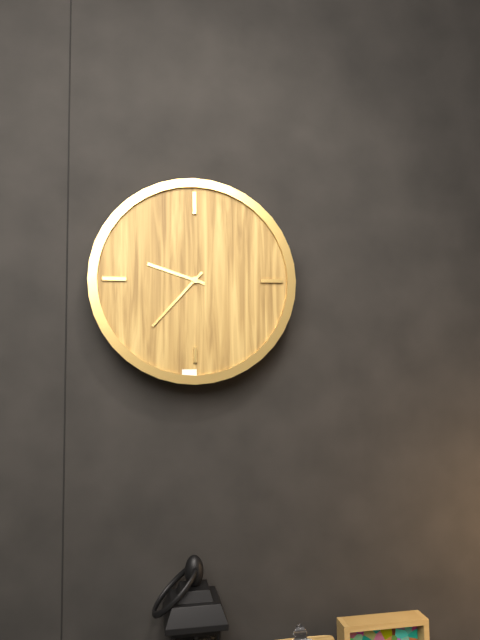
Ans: 9:37
